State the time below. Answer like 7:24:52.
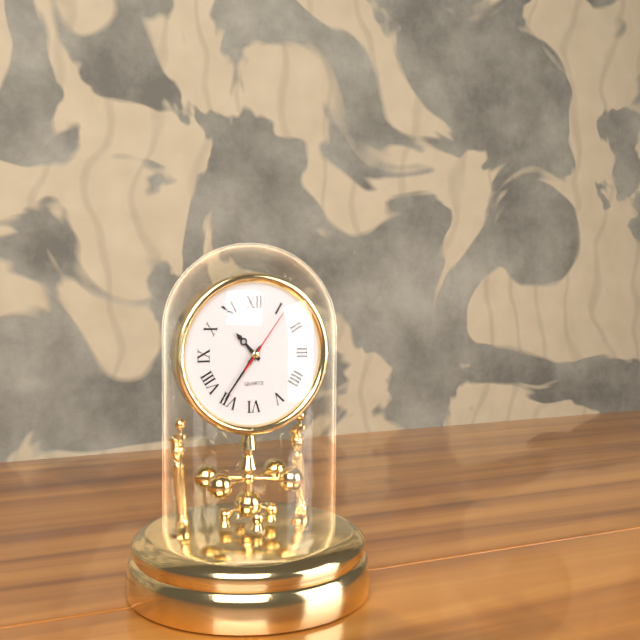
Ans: 10:36:06
